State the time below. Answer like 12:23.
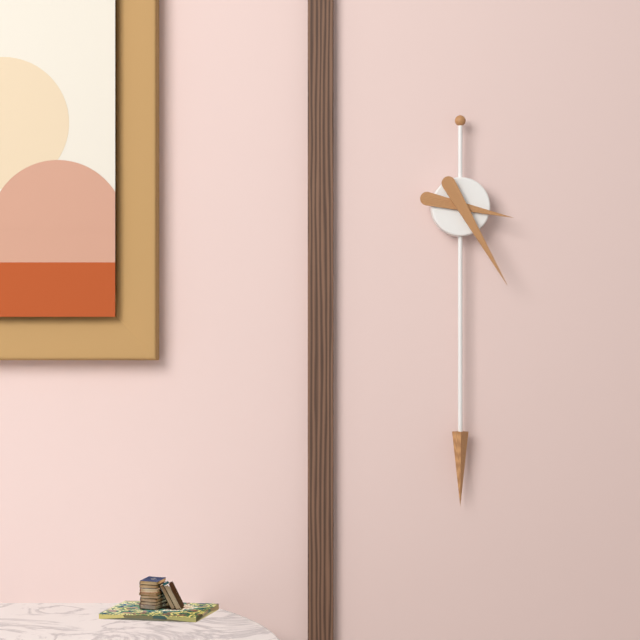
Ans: 3:25
